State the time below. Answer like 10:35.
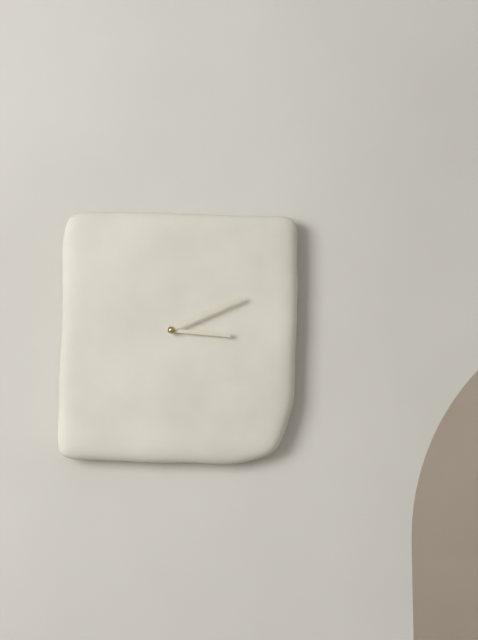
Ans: 3:11
